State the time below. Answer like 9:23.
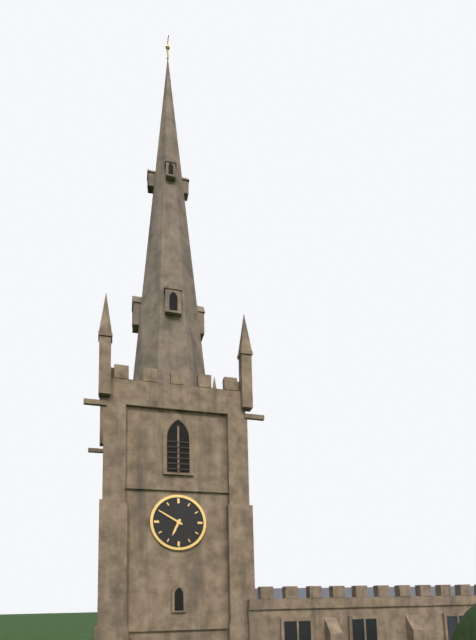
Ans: 6:50
